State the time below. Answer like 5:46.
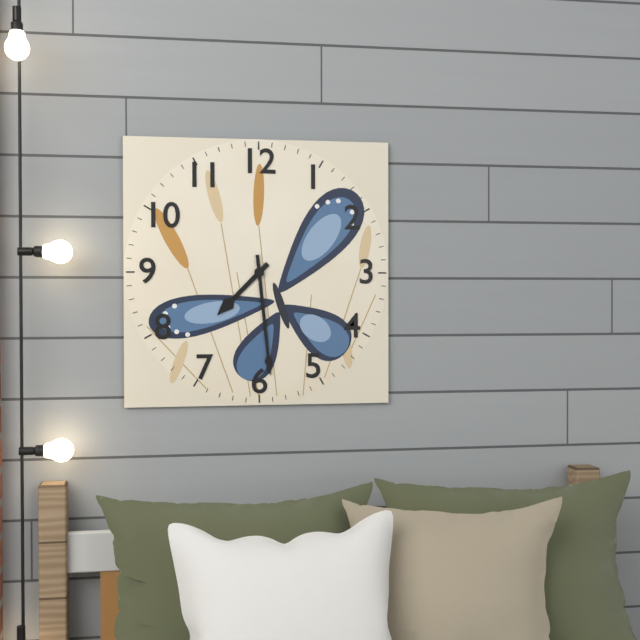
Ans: 7:29
